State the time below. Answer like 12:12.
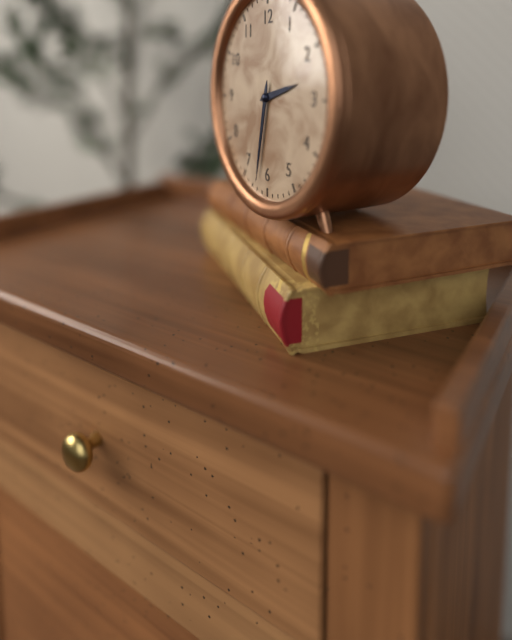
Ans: 2:32
